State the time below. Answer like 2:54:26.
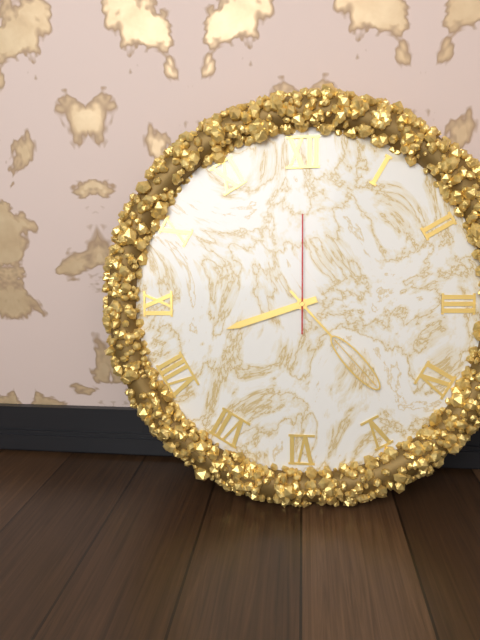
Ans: 8:23:00
